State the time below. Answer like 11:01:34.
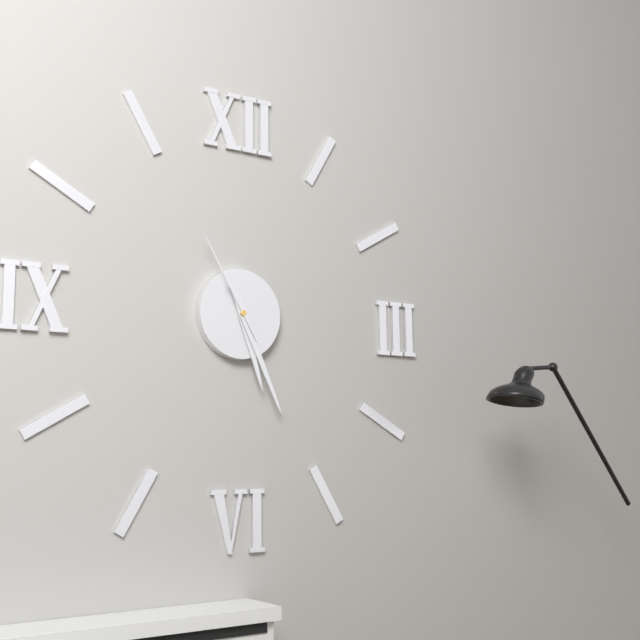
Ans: 5:26:55
